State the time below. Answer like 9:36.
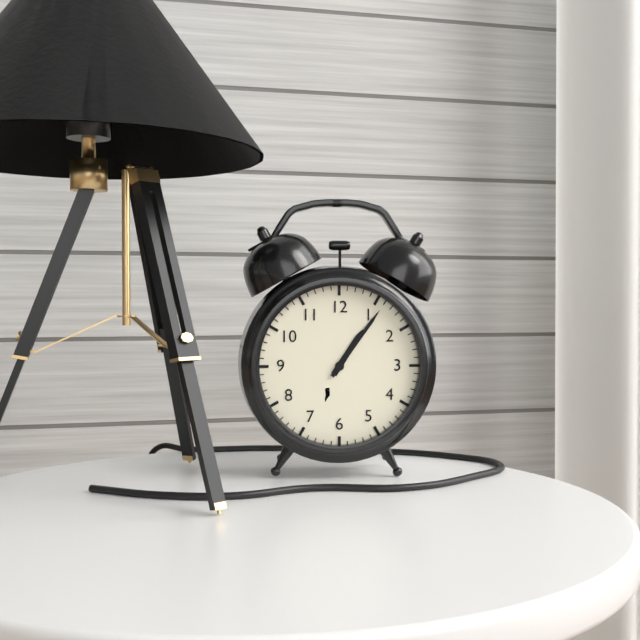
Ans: 1:06
